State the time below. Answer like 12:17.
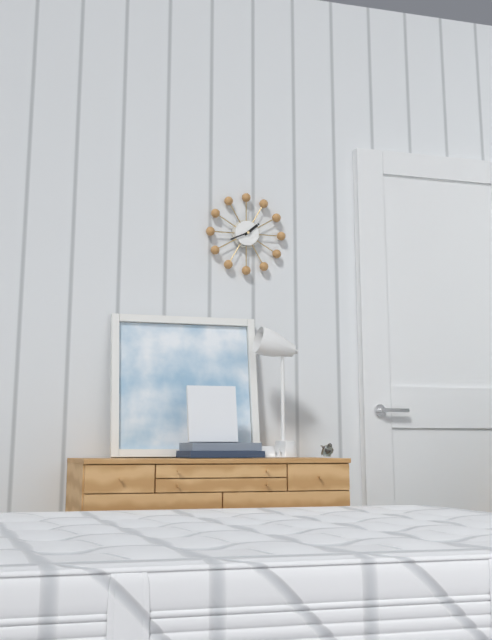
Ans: 1:41
